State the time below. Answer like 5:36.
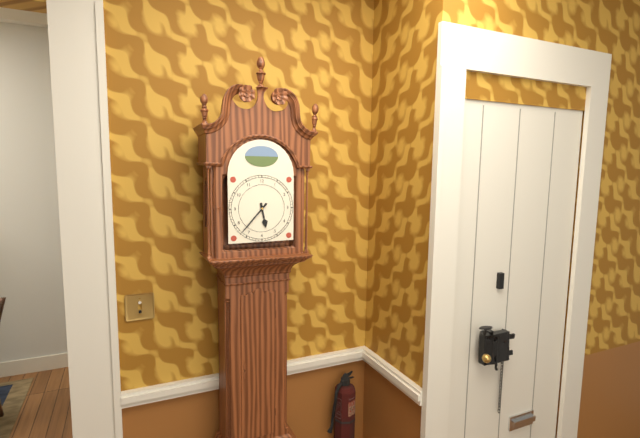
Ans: 5:37
